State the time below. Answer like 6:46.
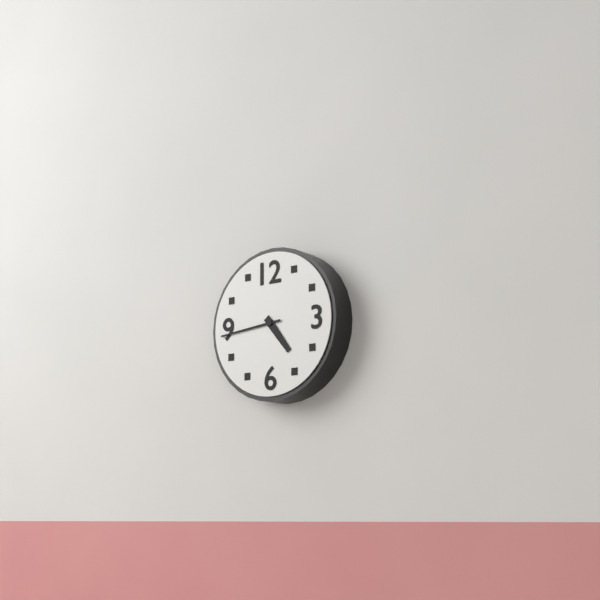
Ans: 4:44
